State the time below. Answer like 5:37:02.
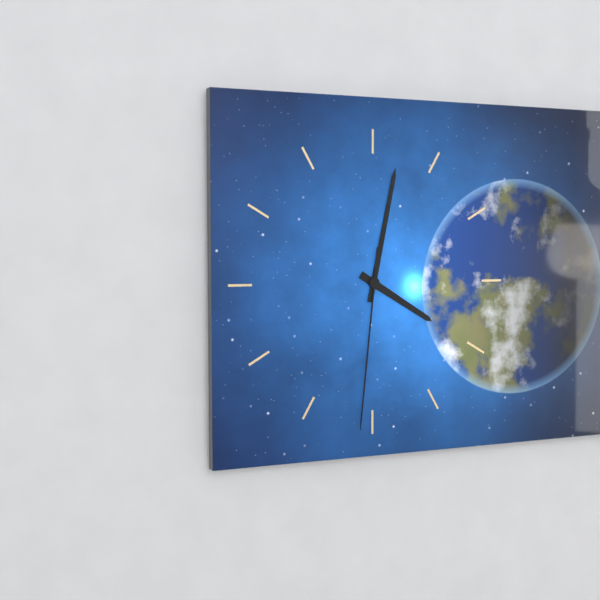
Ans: 4:02:31
